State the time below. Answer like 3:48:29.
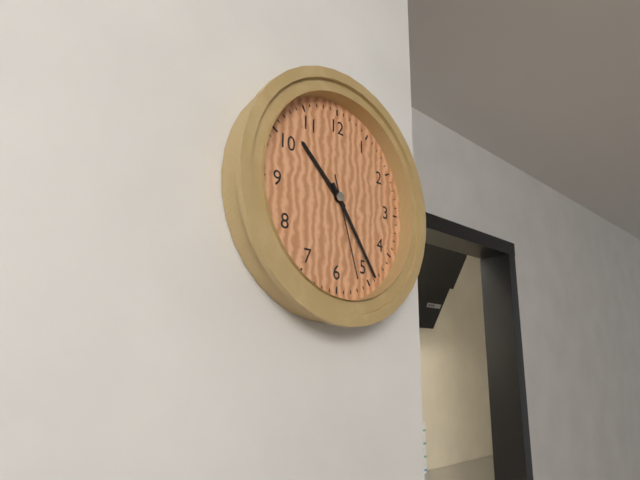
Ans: 10:24:27
